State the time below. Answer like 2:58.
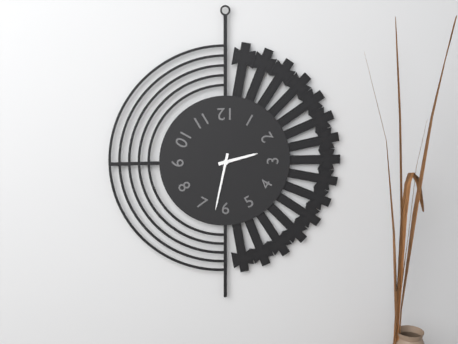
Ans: 2:32
